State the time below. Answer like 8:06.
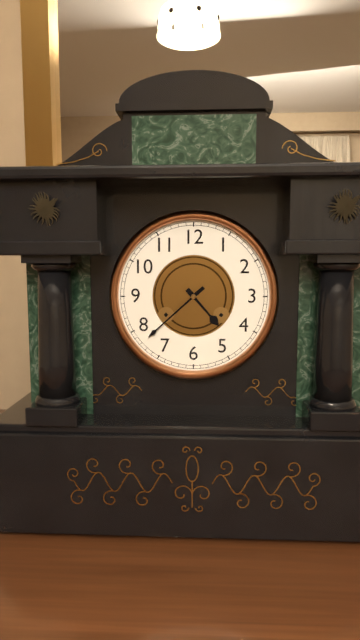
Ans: 4:38
